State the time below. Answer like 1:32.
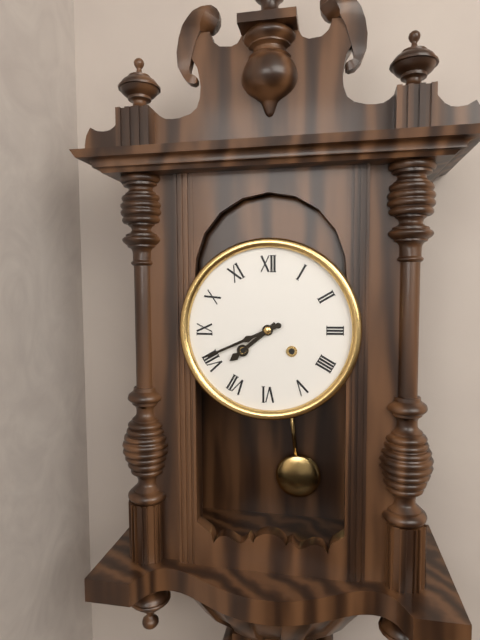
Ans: 7:41
